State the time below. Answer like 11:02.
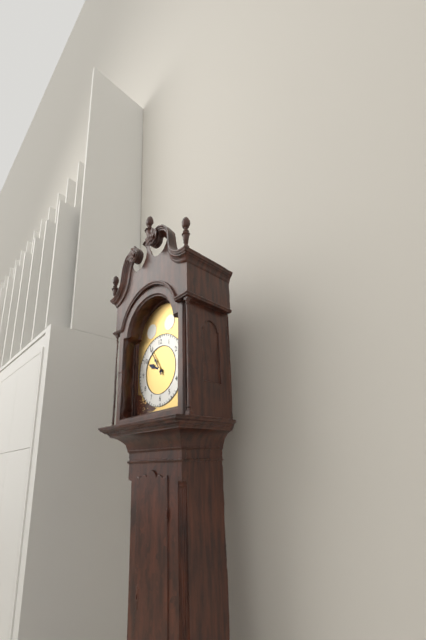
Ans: 9:55
